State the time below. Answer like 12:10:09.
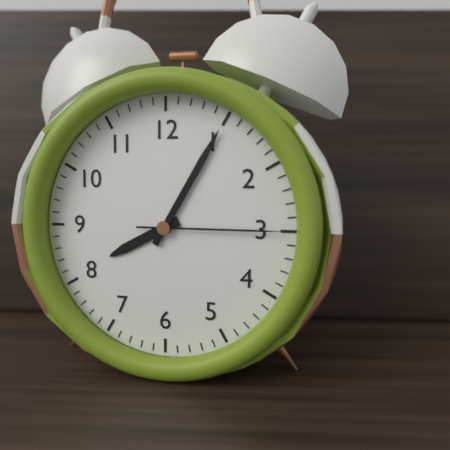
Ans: 8:05:15
